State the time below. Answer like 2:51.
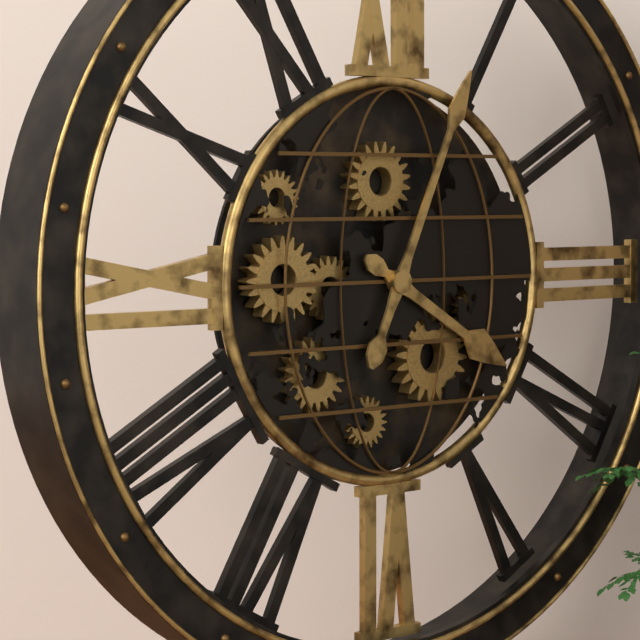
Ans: 4:04
